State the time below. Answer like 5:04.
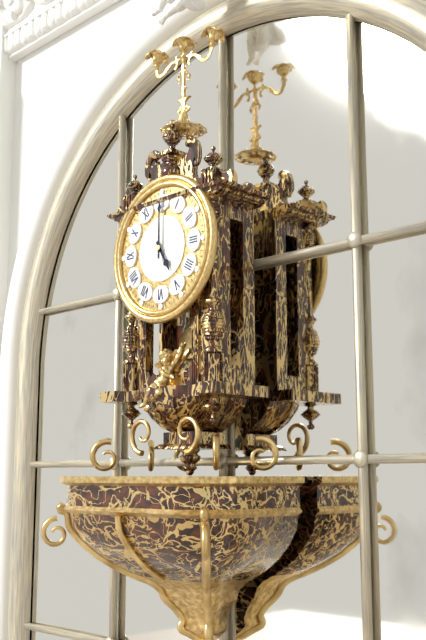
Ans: 5:00
